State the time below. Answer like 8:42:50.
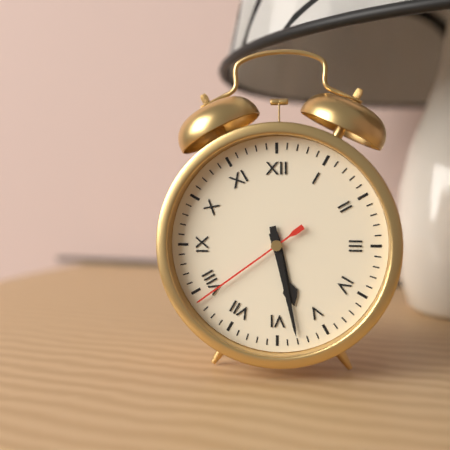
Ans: 5:28:39
